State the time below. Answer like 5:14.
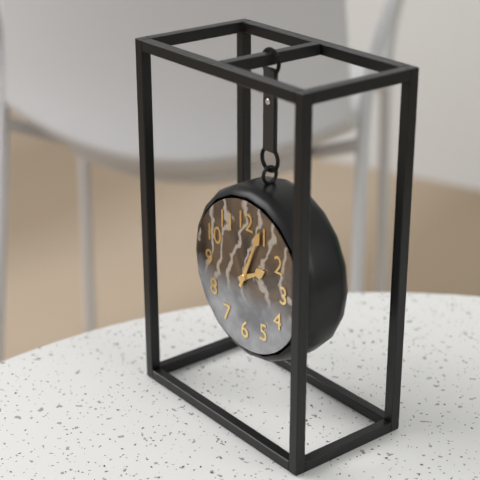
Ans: 2:04
